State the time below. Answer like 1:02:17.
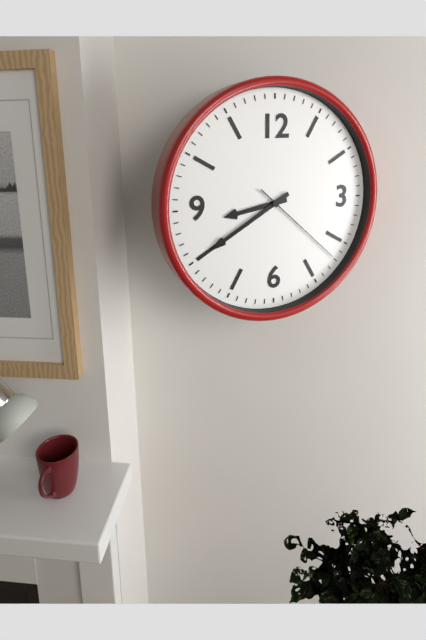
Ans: 8:40:22
